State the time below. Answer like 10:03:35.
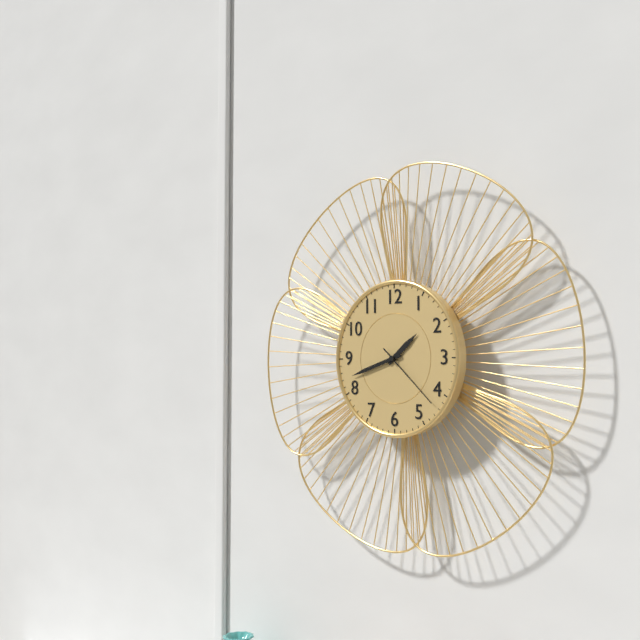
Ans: 1:42:22
